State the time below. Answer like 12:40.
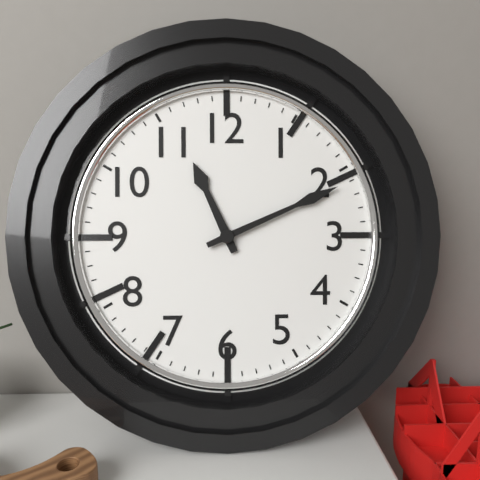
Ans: 11:11
